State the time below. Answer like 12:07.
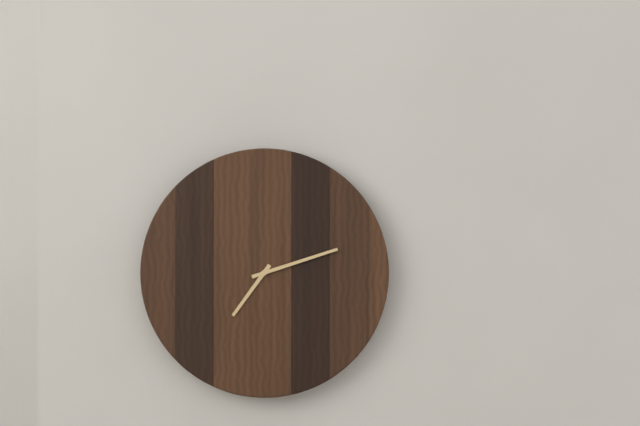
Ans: 7:12
